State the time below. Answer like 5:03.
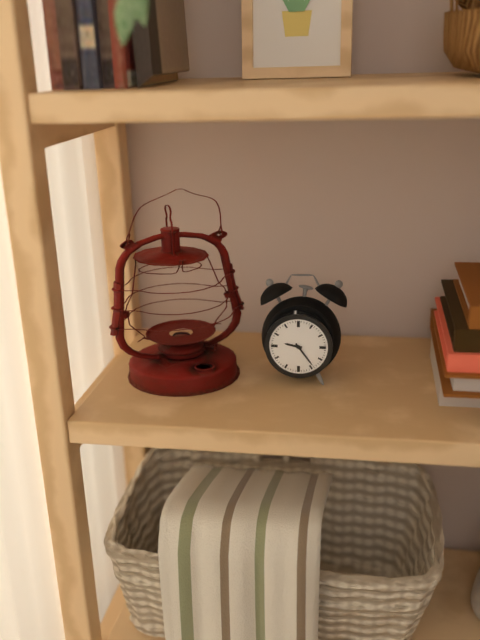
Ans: 9:24
